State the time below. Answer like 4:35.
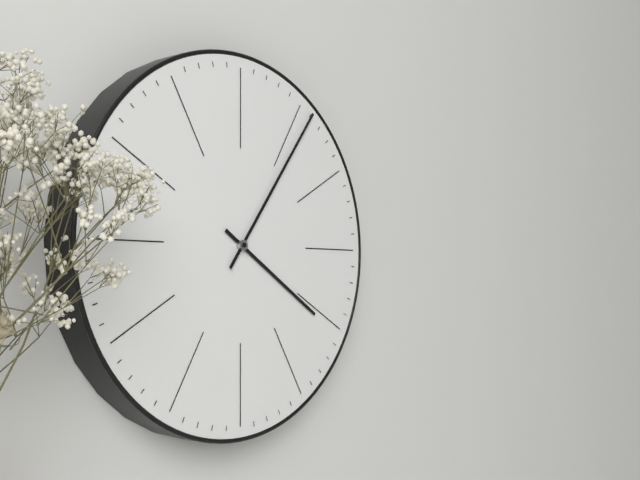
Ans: 4:06
